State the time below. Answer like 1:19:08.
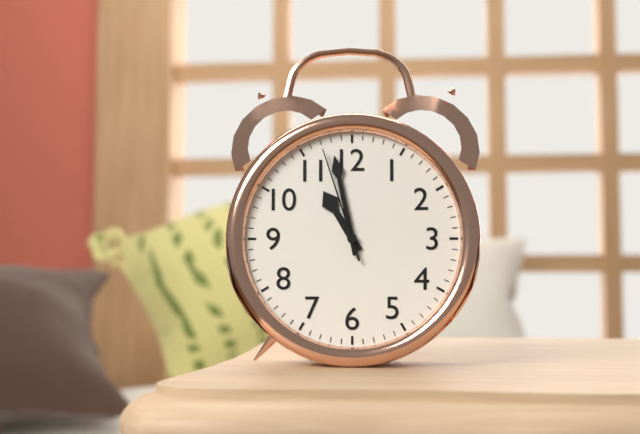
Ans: 10:58:57
